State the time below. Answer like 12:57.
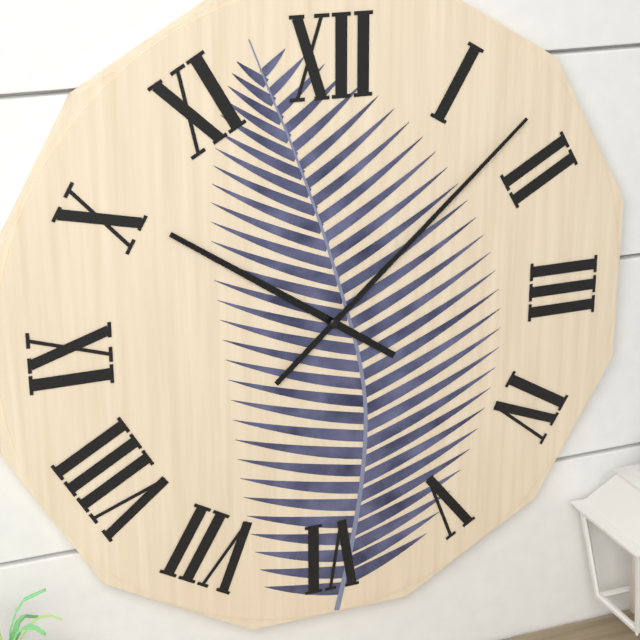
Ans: 10:08
